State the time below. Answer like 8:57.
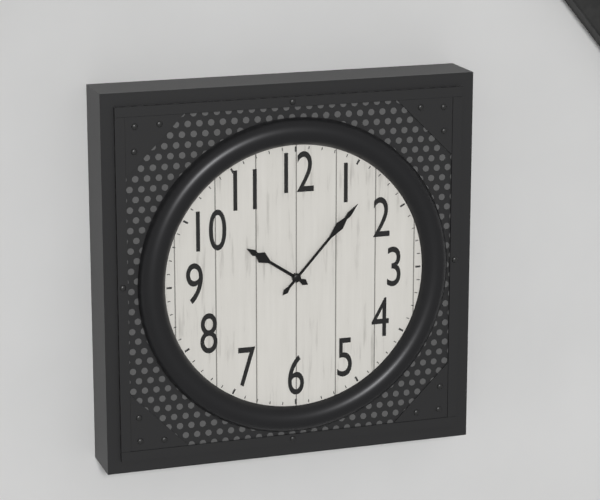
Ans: 10:07
